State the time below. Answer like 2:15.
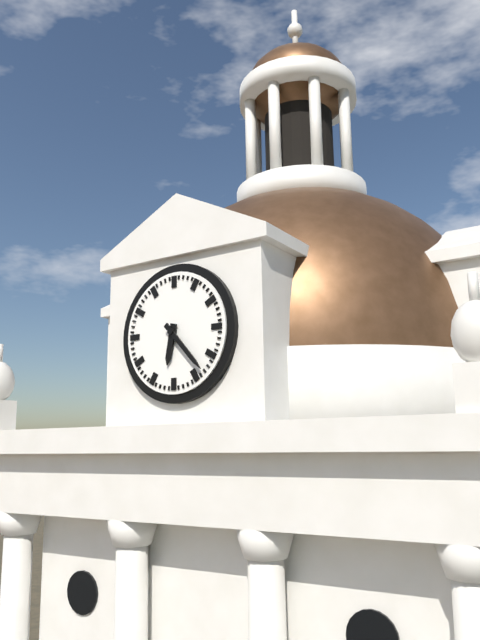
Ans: 6:23
